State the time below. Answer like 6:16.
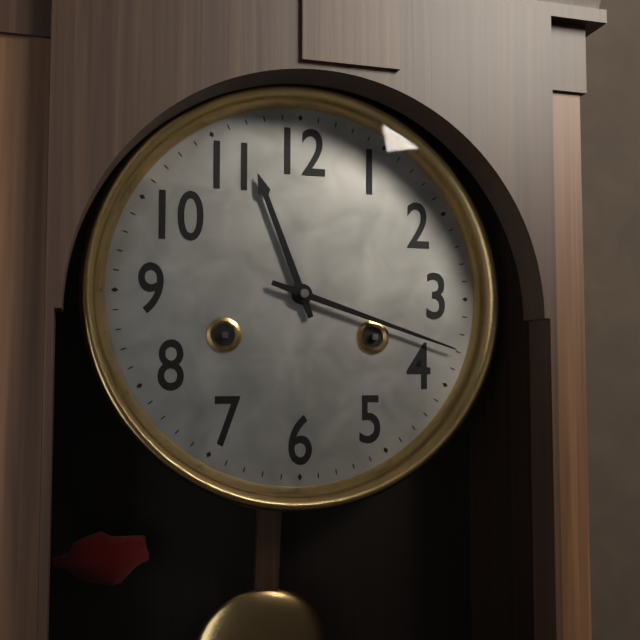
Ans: 11:18
